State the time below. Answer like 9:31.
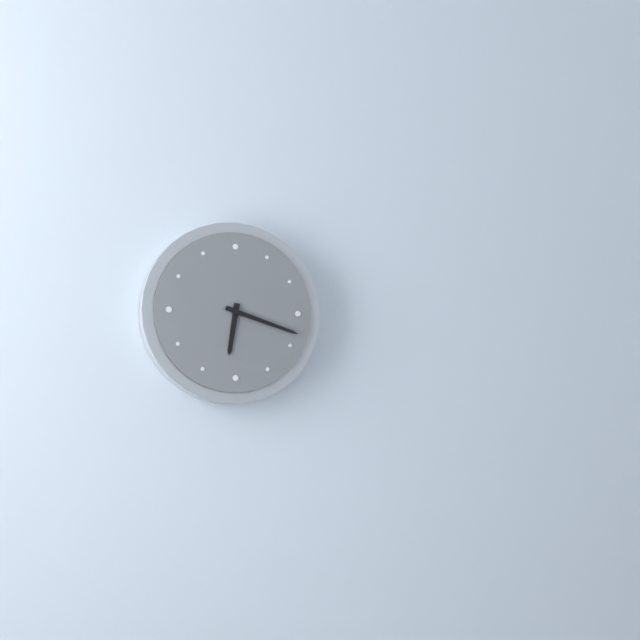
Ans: 6:18
